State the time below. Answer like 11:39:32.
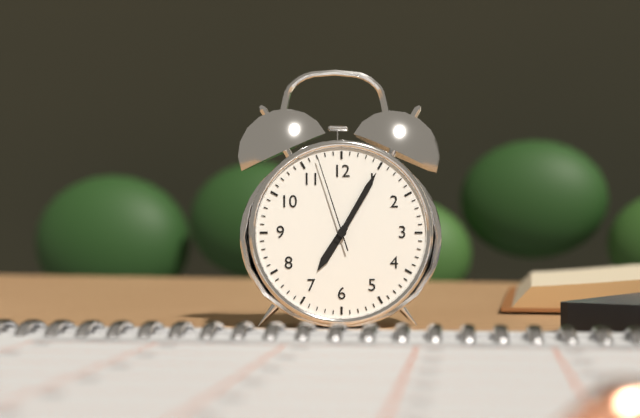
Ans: 7:05:57
